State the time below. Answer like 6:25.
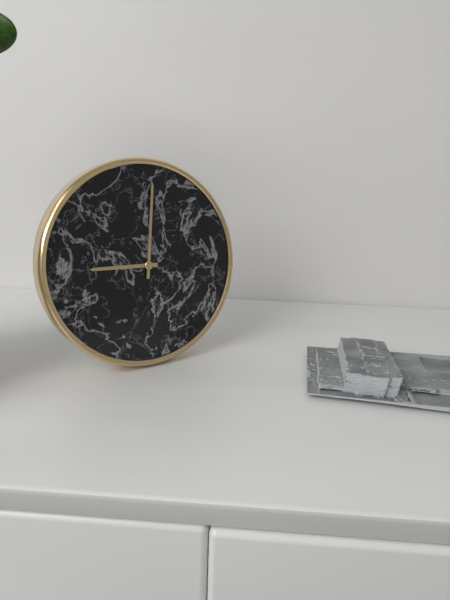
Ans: 9:01
